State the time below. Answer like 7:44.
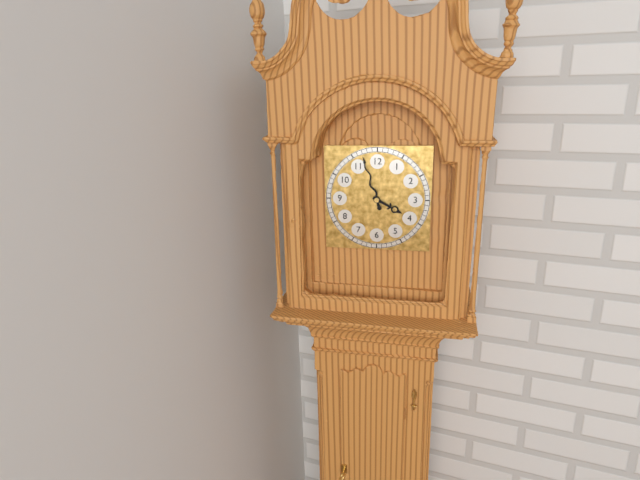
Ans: 3:57
